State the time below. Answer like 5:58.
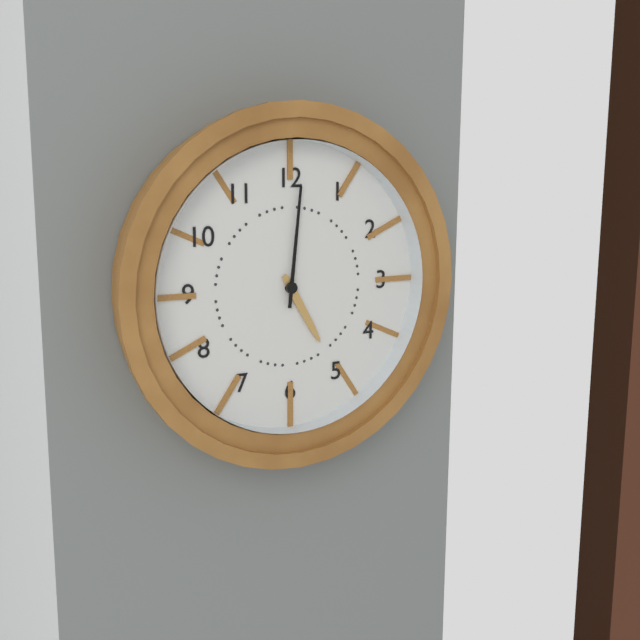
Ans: 5:01
